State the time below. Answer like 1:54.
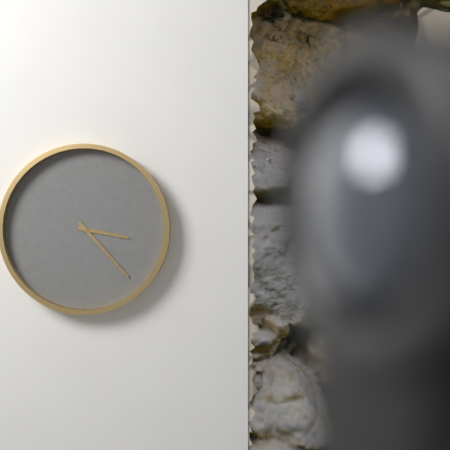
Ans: 3:23
